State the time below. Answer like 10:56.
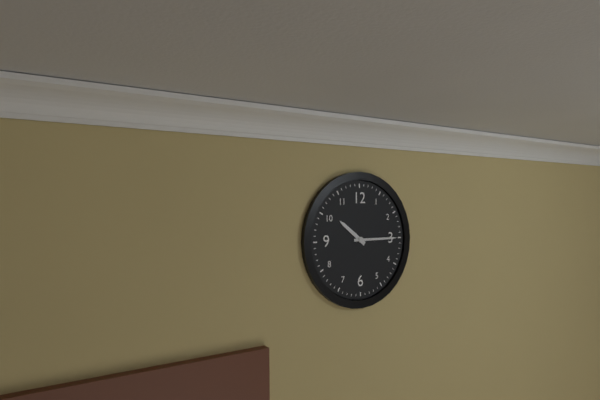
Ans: 10:15
